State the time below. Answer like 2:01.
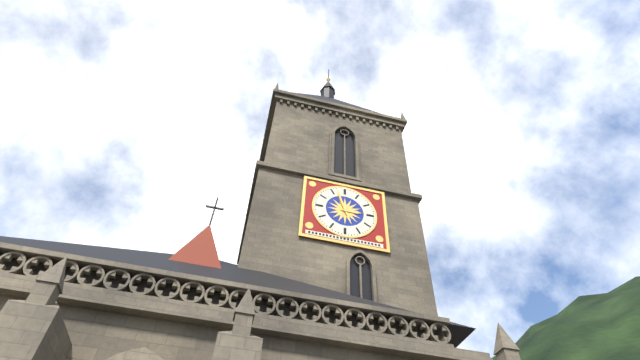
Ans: 2:57
